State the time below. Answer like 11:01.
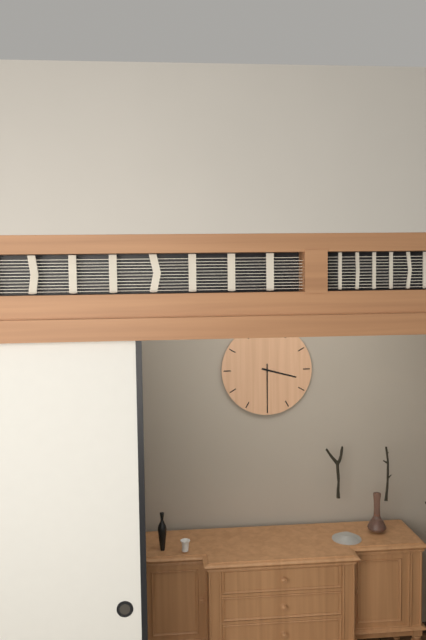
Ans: 3:30
